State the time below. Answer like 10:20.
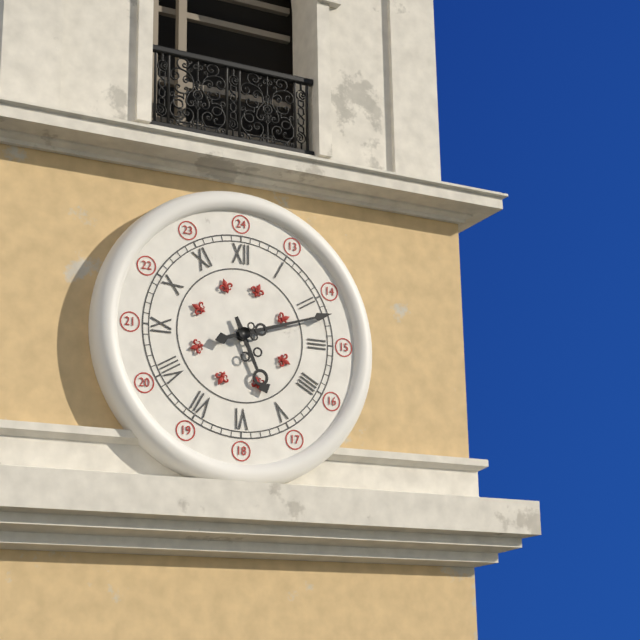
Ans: 5:12
